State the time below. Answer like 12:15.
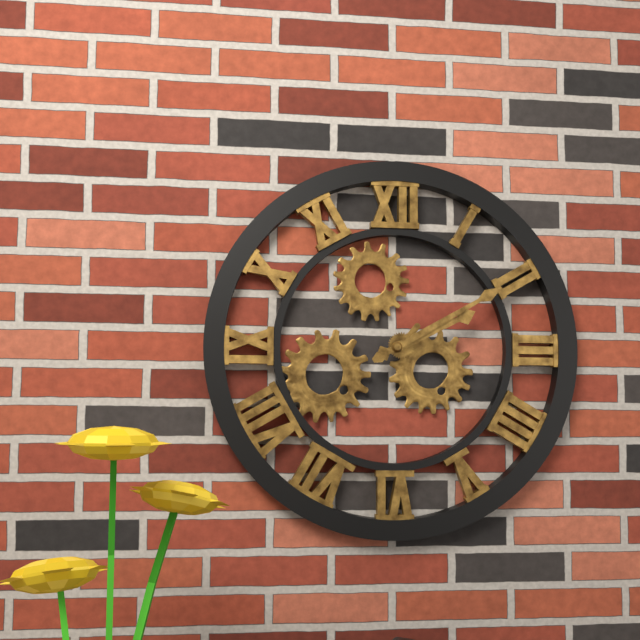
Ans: 2:10
